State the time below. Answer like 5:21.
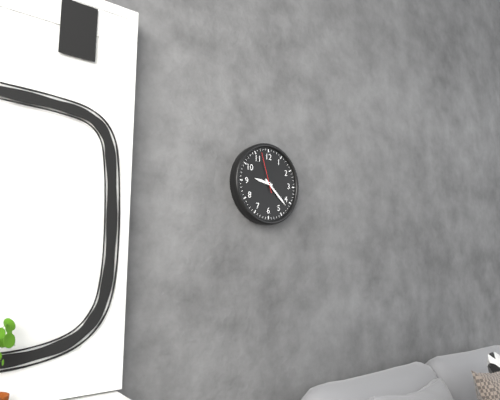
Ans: 9:22
